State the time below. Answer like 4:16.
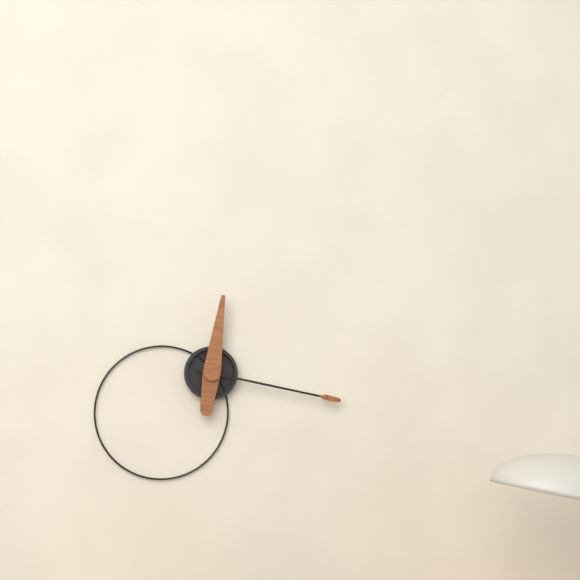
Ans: 12:17
